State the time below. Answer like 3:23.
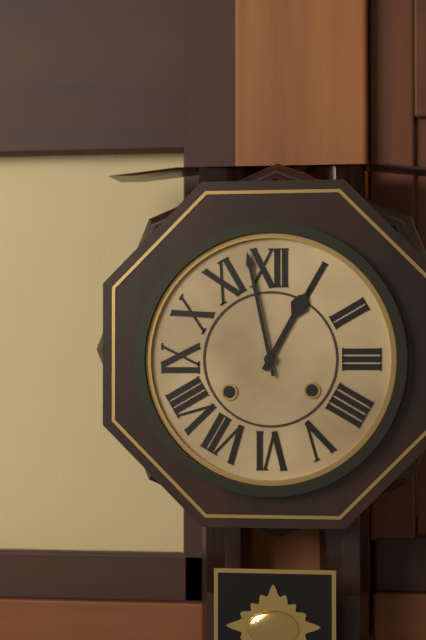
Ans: 12:58
